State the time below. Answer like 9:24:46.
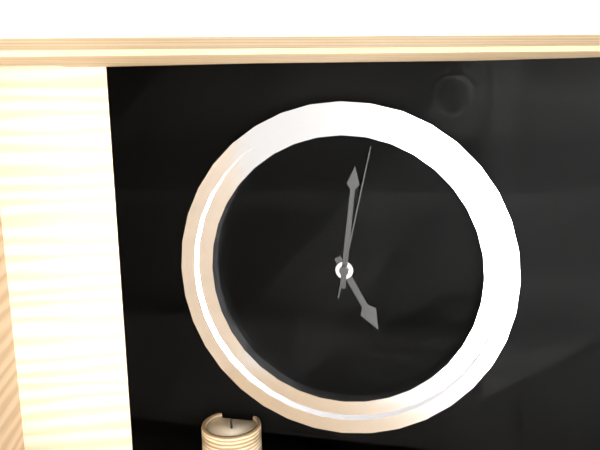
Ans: 5:01:02
